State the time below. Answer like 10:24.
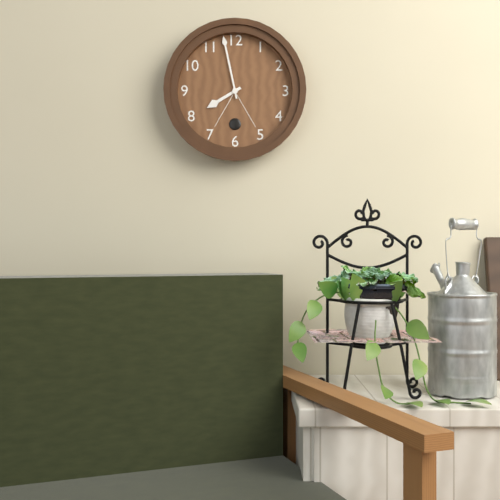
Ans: 7:58
